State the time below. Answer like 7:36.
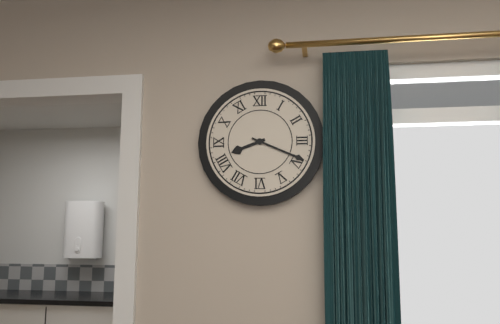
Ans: 8:19
